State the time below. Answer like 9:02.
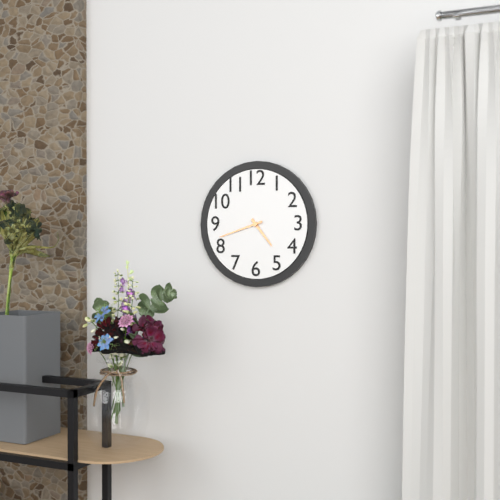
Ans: 4:42
